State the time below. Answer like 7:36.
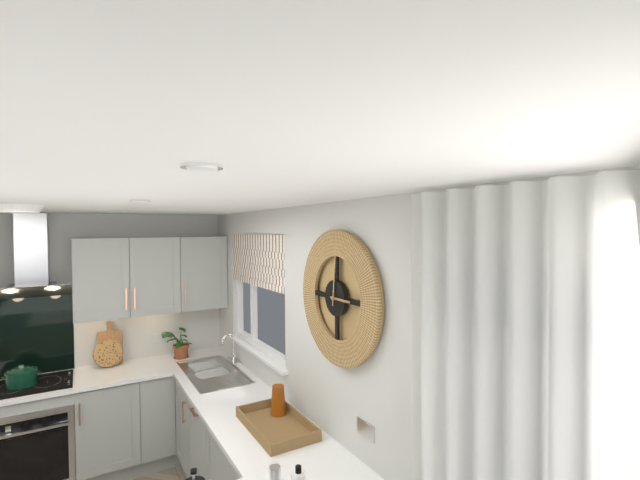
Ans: 3:01
